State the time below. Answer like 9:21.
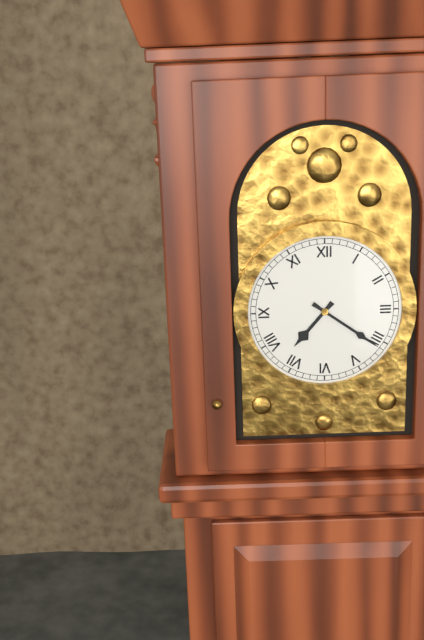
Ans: 7:21
